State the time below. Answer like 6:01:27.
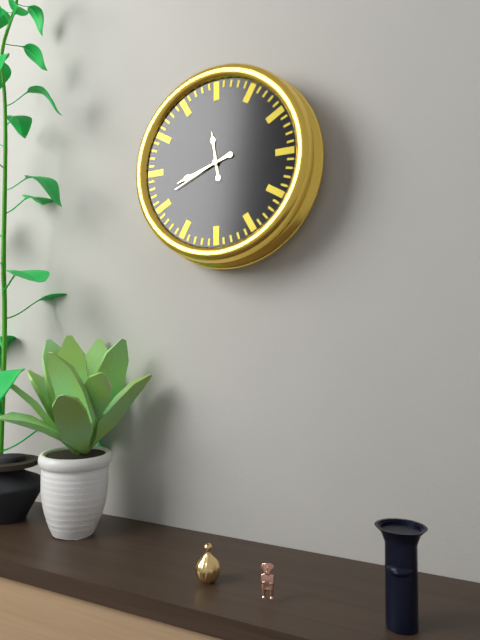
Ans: 11:42:41
